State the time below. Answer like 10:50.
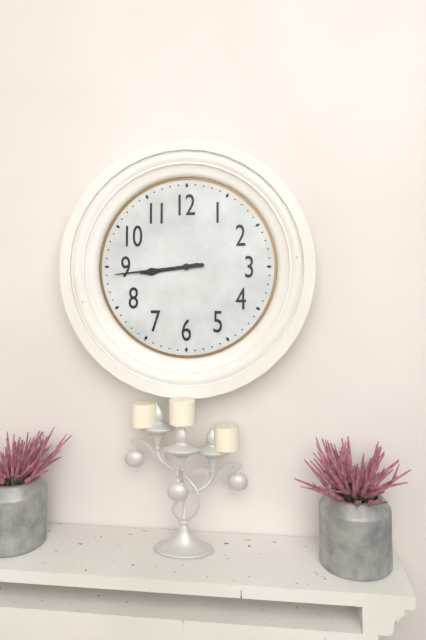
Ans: 8:44
